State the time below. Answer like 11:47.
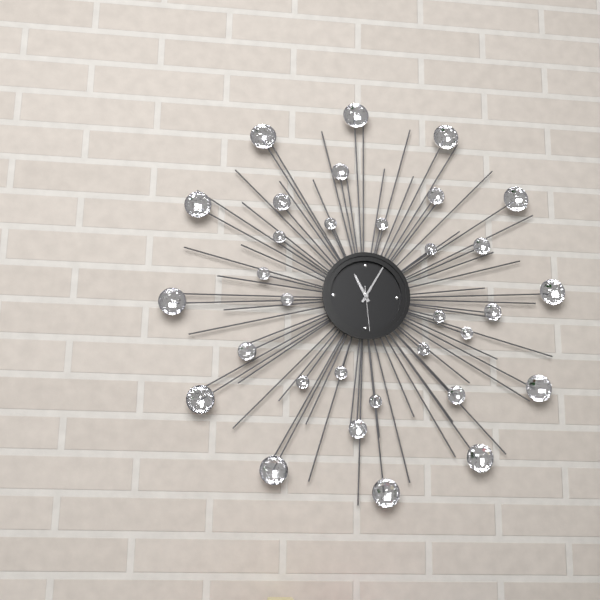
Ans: 11:05
